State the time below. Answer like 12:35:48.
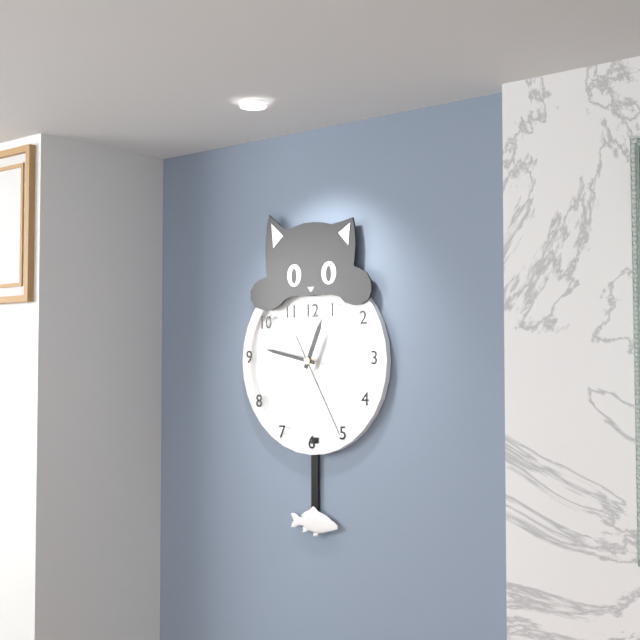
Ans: 12:47:25
